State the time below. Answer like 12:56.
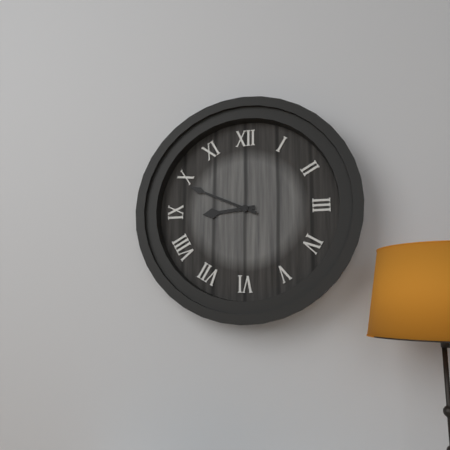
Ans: 8:49
